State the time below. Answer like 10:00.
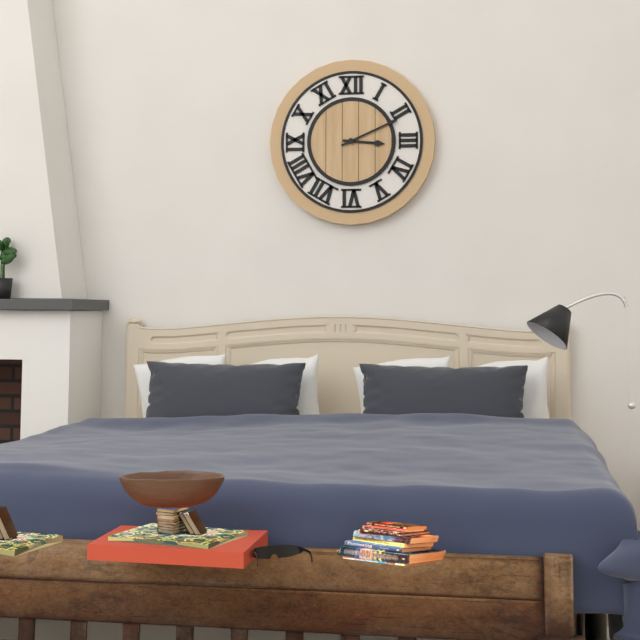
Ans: 3:11
